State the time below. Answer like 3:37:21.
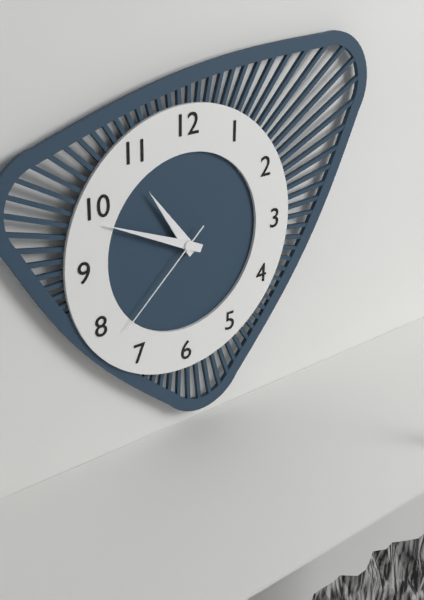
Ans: 10:49:38
